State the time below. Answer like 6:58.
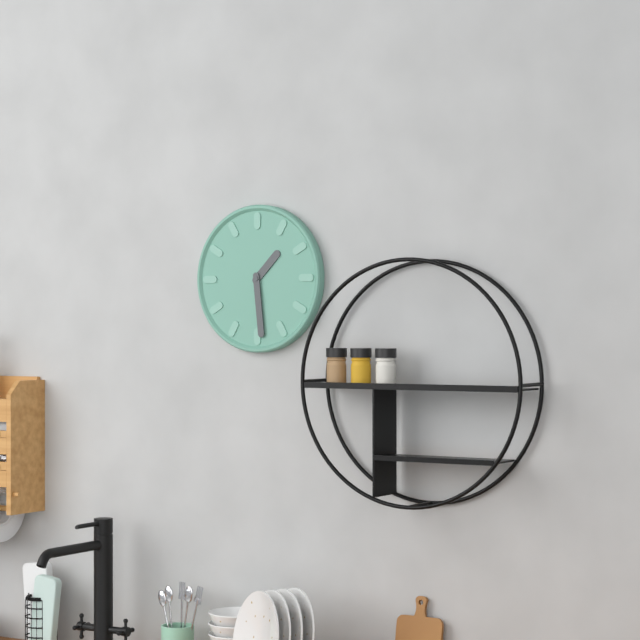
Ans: 1:29
